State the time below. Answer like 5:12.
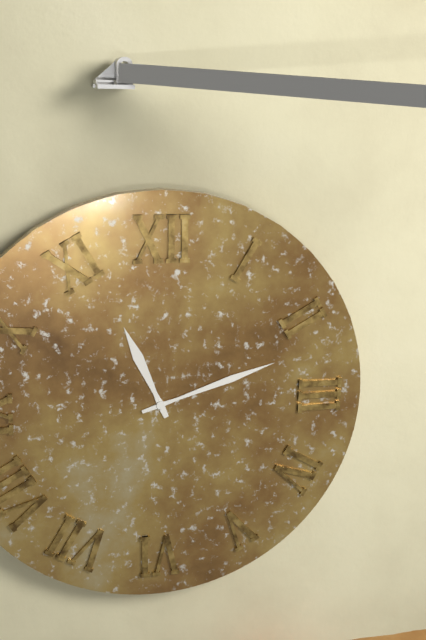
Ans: 11:12
